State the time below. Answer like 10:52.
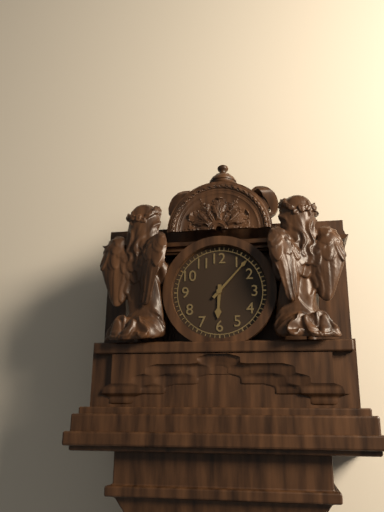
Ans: 6:07
